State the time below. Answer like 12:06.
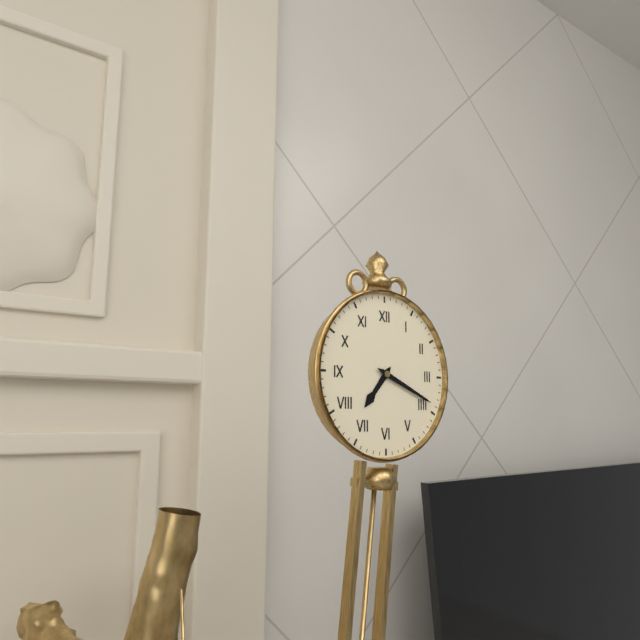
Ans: 7:19
